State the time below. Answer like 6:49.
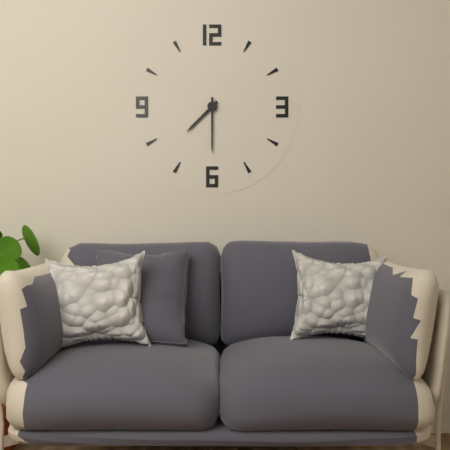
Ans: 7:30
